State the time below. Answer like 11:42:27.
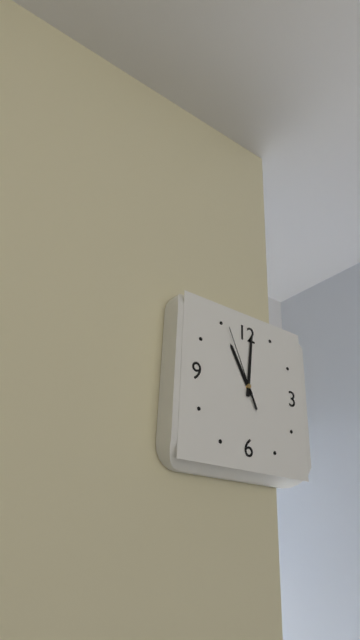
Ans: 11:01:56
